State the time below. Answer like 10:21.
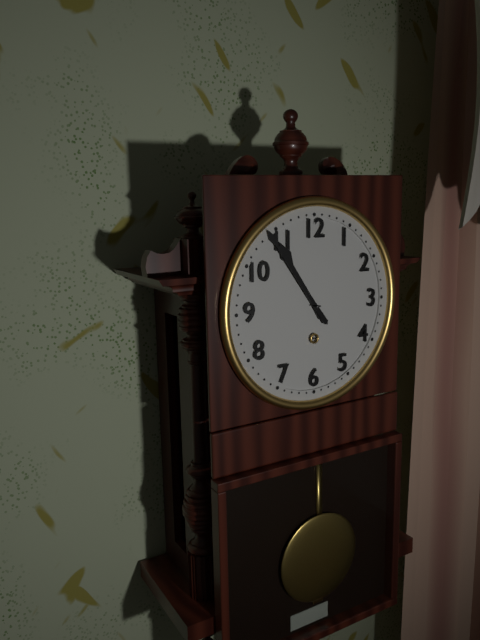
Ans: 10:54
